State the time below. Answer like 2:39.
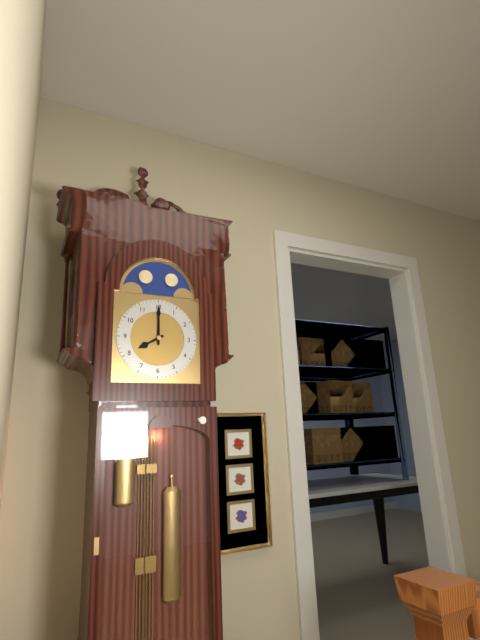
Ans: 8:00
